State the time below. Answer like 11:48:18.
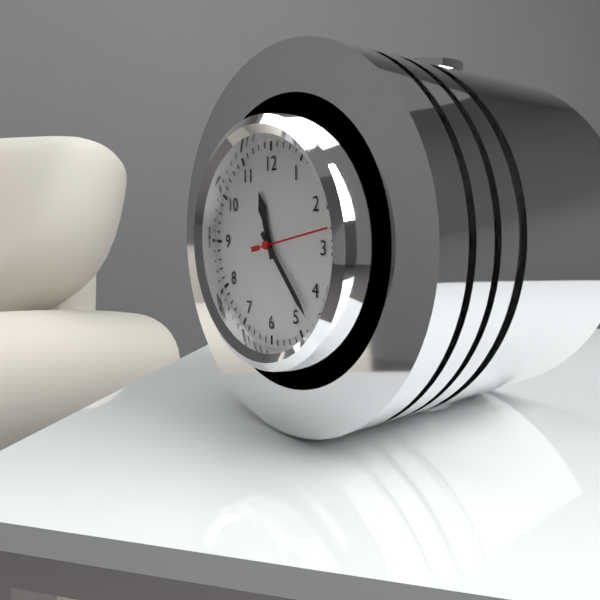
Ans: 11:23:13
